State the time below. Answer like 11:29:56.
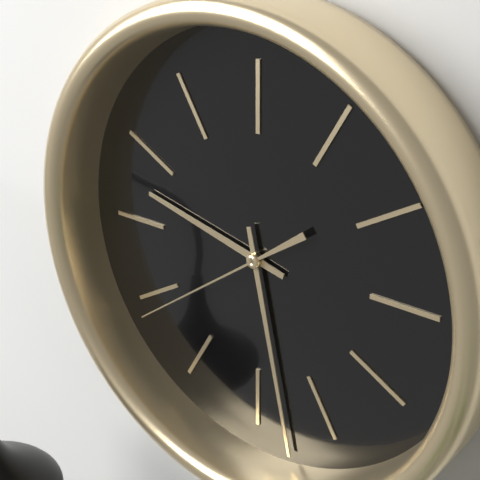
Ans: 9:28:39
